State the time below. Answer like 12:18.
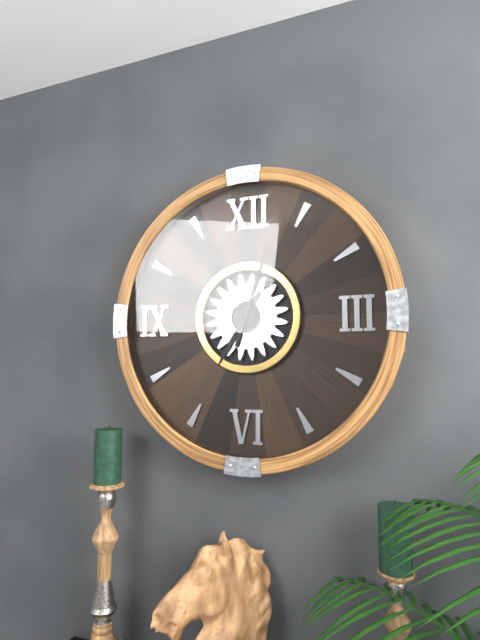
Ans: 7:03
